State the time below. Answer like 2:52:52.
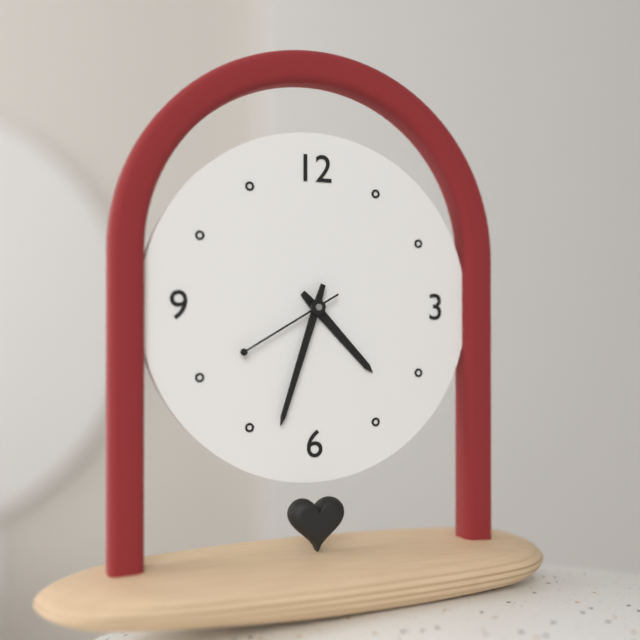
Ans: 4:33:40
